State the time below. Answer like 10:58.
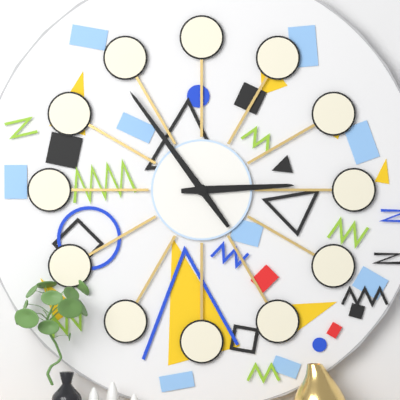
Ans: 2:54
